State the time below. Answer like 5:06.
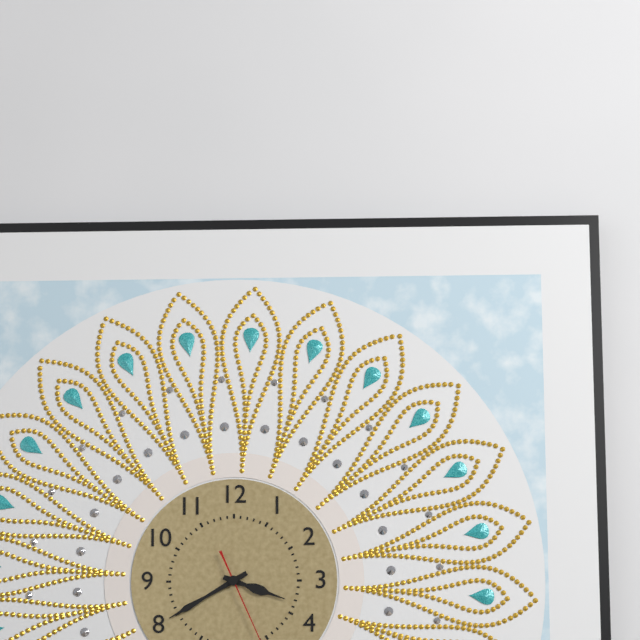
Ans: 3:40
